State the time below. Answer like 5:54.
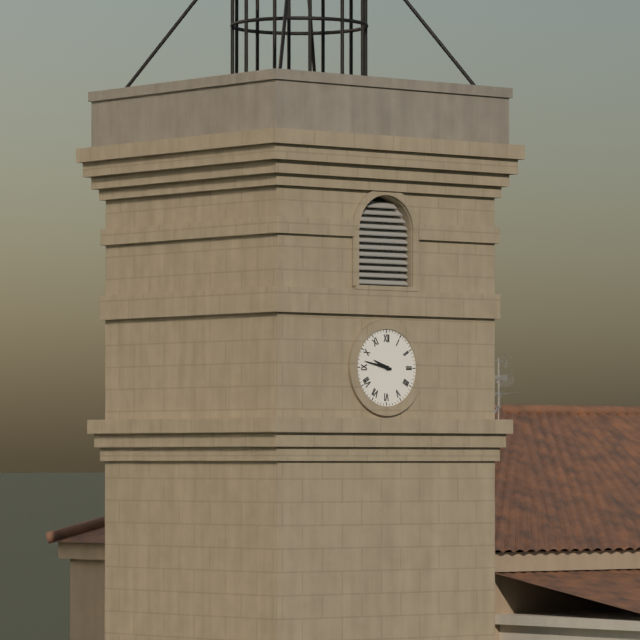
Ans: 9:47
